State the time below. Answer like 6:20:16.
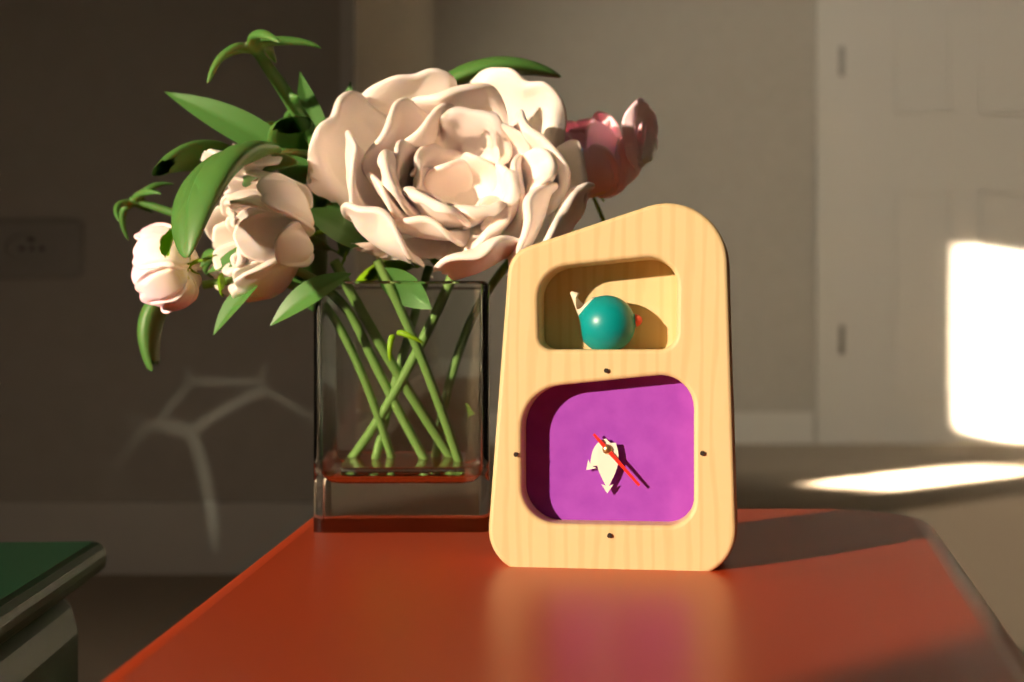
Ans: 7:30:23
